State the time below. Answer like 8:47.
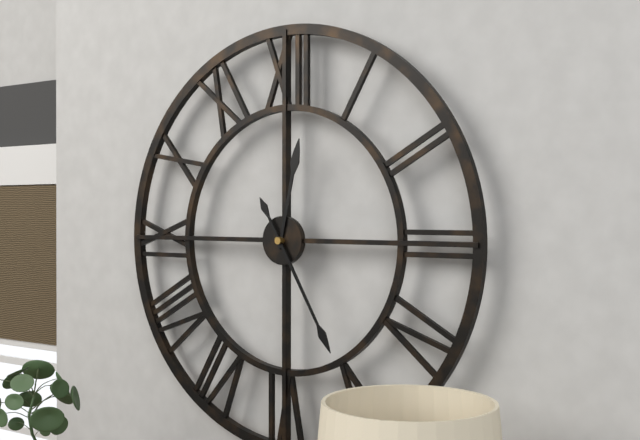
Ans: 12:25
